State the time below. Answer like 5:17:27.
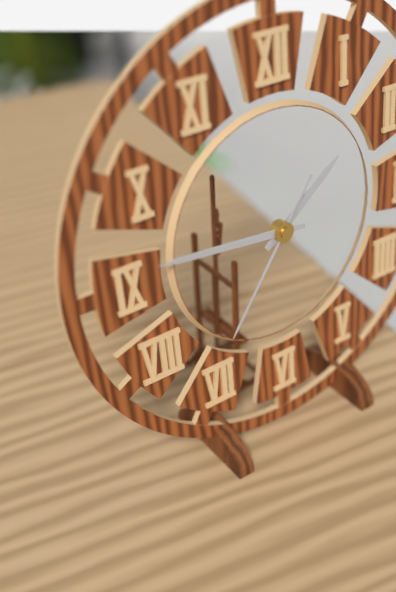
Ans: 1:46:36
